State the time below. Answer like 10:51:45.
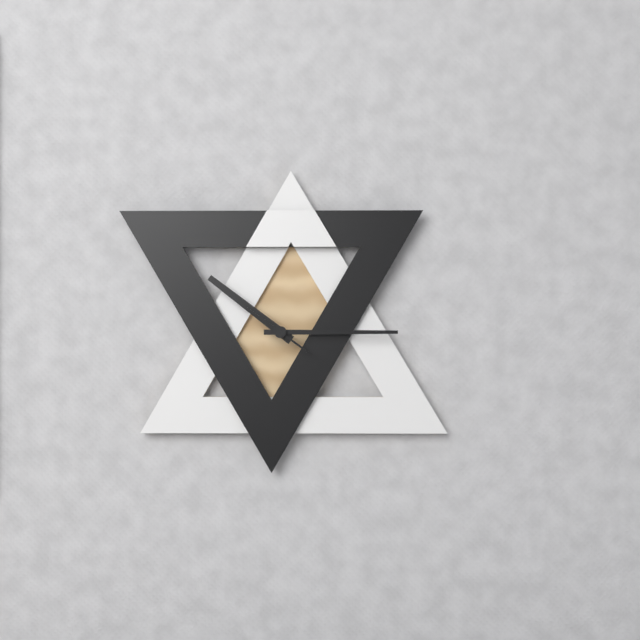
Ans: 10:15:51
